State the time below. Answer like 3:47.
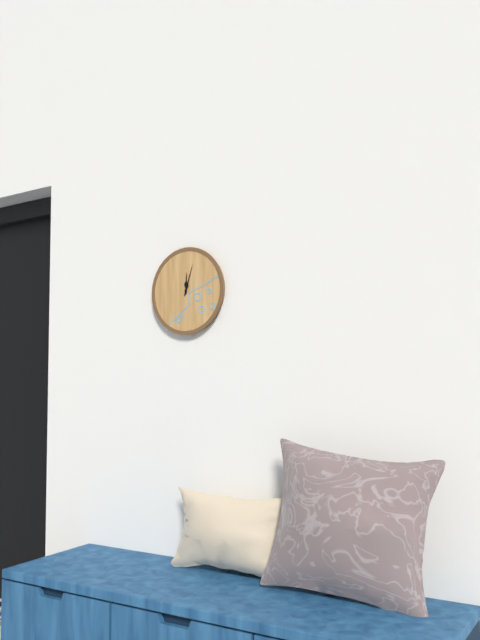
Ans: 12:03
